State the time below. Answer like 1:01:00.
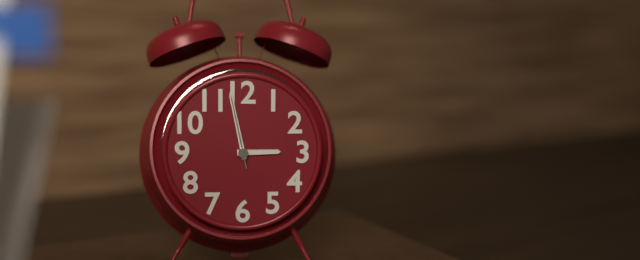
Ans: 2:58:58
